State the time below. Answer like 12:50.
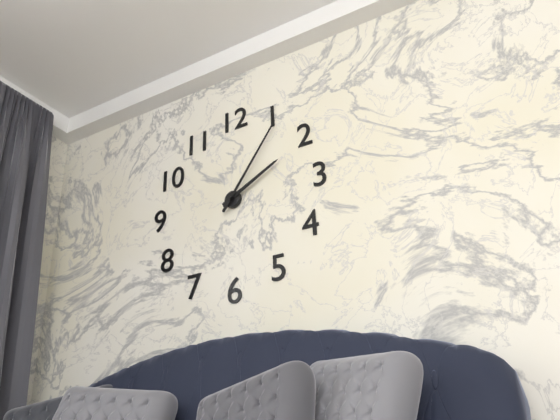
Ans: 2:06
